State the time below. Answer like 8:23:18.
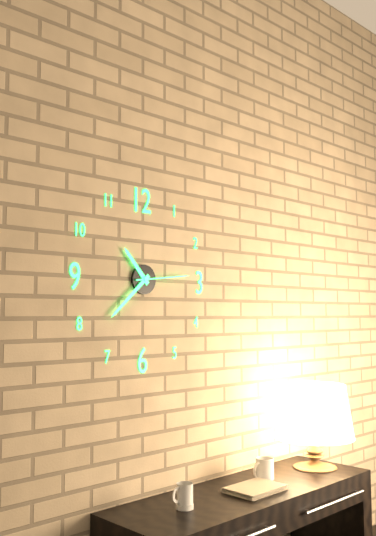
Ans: 10:38:14
